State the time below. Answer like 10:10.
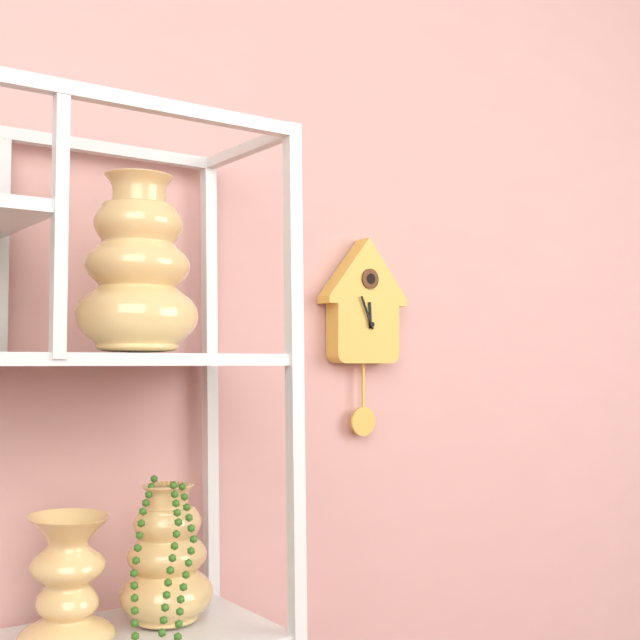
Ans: 11:56
